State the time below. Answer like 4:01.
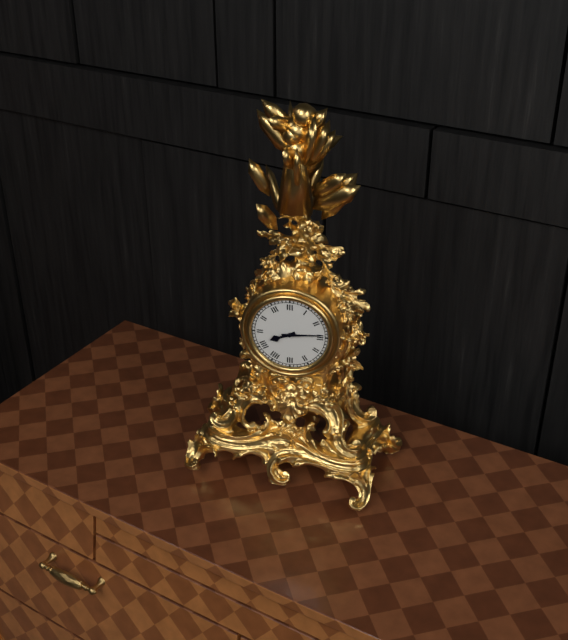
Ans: 8:14
